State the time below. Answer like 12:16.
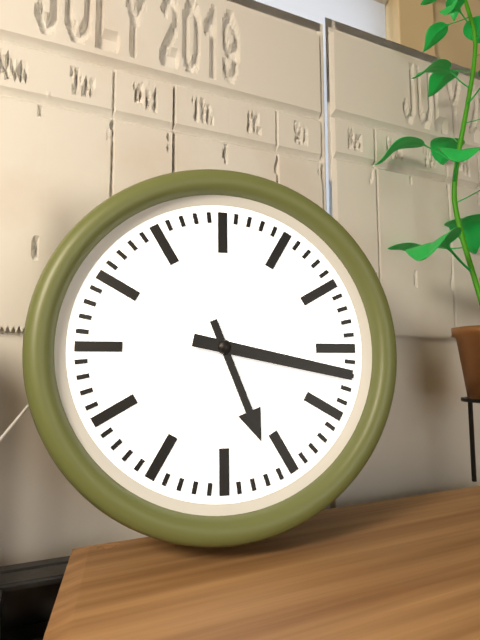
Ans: 5:17
